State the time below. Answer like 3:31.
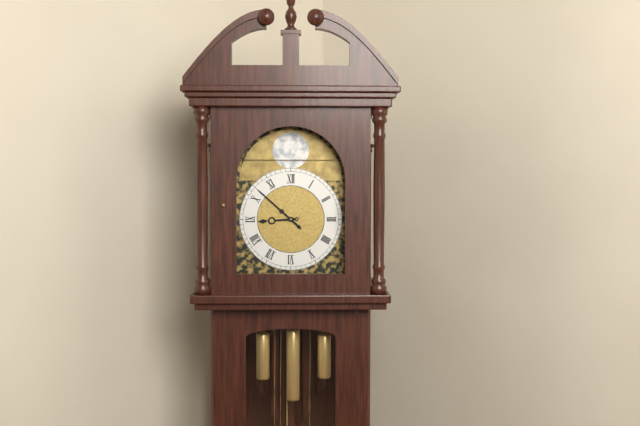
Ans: 8:52
